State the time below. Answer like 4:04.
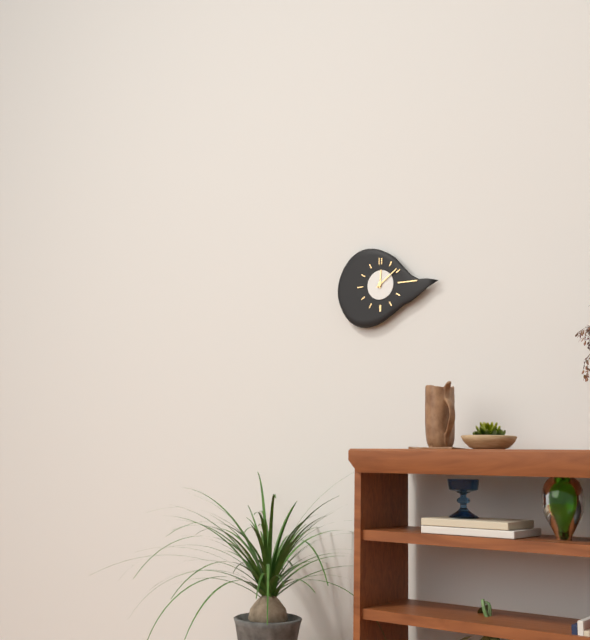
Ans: 12:09
